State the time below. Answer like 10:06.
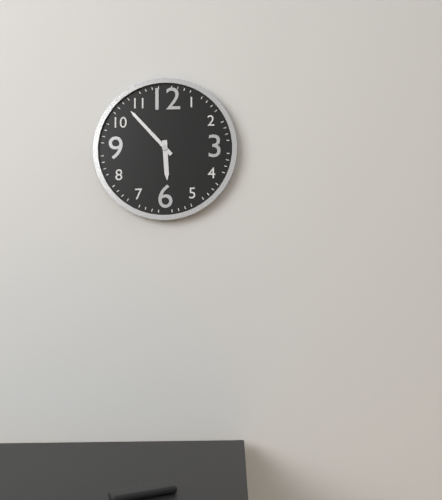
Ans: 5:53
